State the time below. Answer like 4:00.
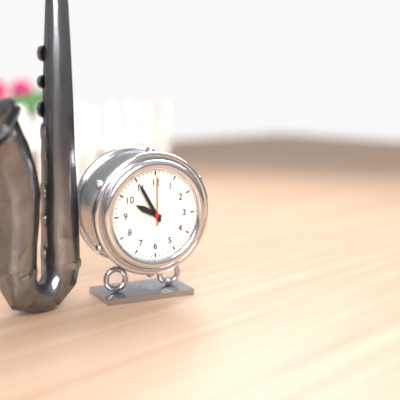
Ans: 9:55
